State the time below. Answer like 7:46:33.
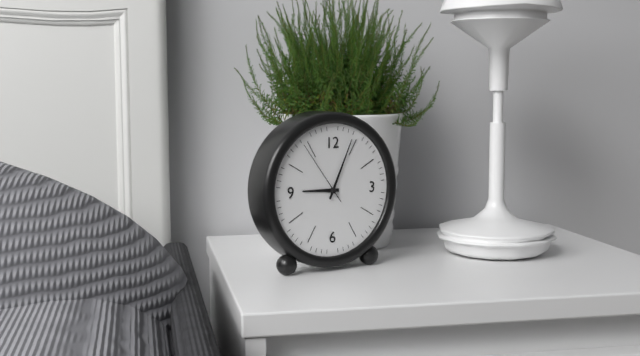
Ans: 9:04:54
